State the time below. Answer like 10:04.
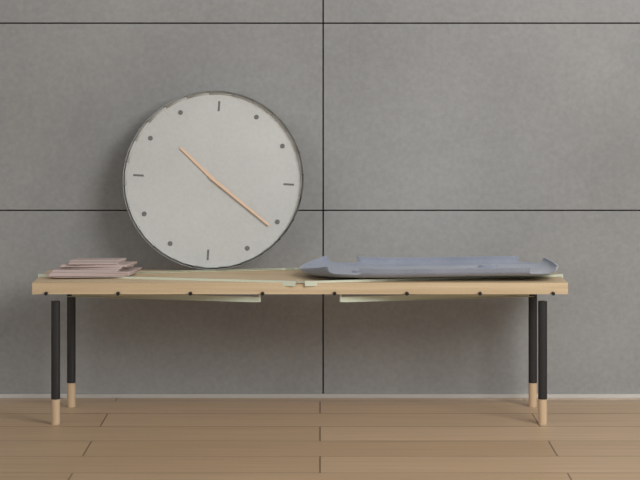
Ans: 10:21
